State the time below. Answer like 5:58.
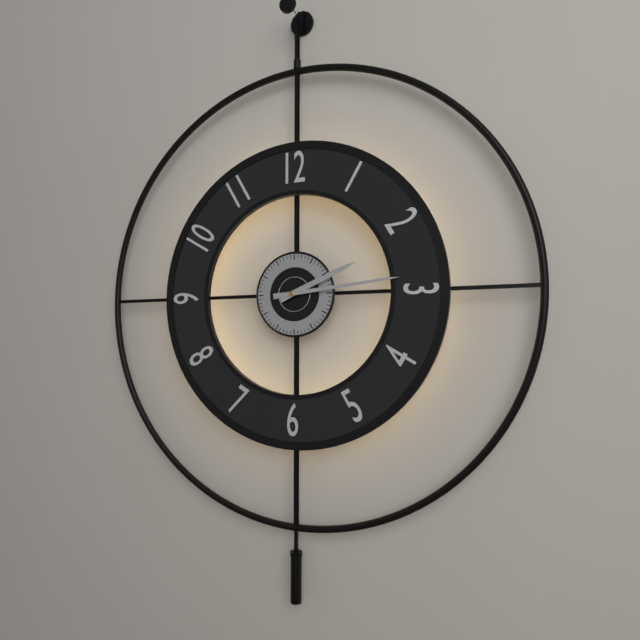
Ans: 2:14
